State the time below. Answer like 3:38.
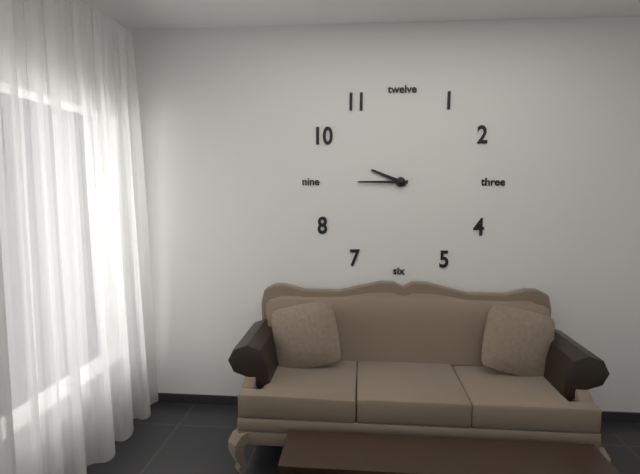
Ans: 9:45
